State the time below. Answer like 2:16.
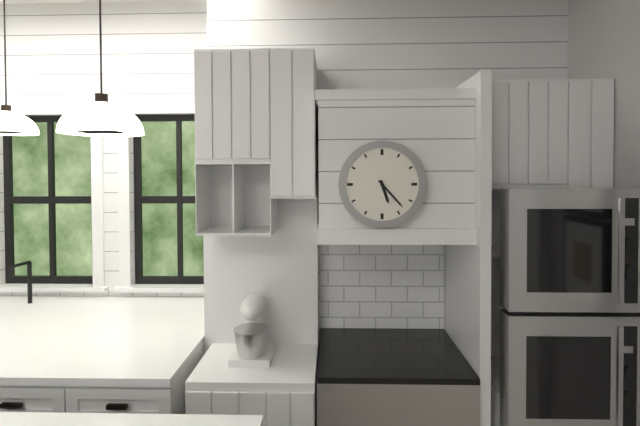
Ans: 5:23
